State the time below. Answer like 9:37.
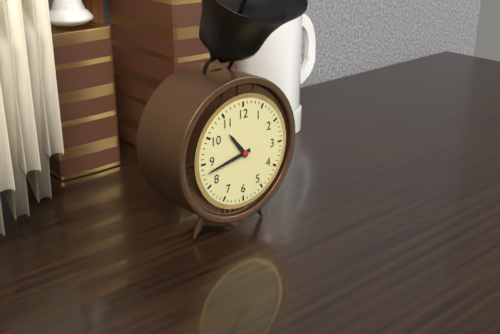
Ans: 10:43
